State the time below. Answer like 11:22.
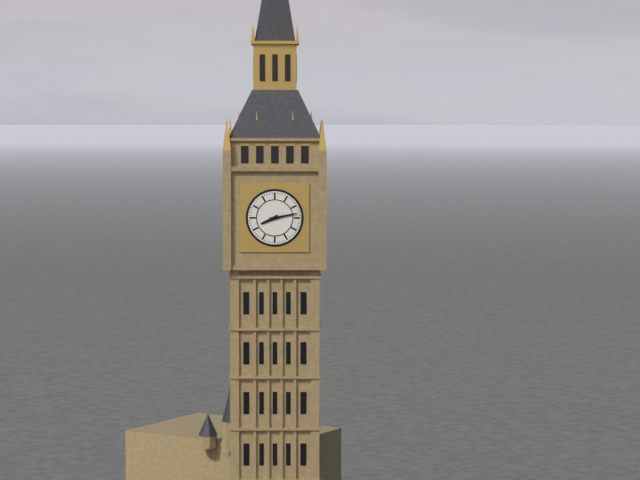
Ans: 8:13
